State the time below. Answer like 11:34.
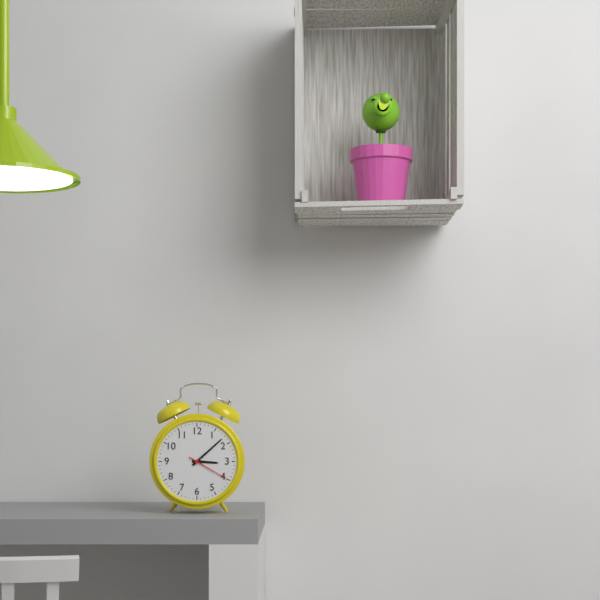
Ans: 3:08
